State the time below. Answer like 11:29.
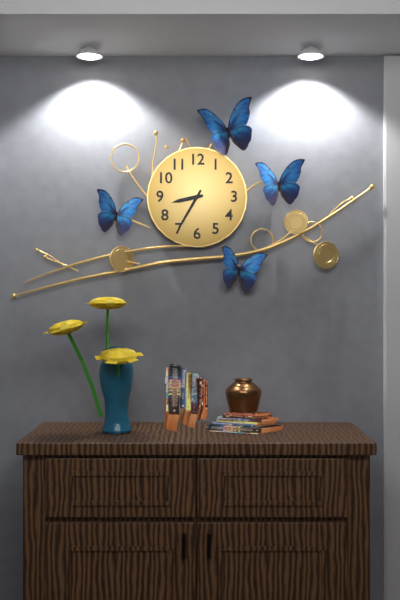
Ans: 8:35
